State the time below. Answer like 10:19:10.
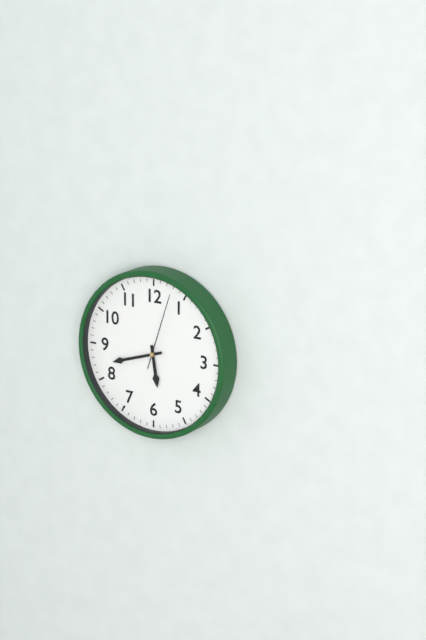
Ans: 5:42:03
